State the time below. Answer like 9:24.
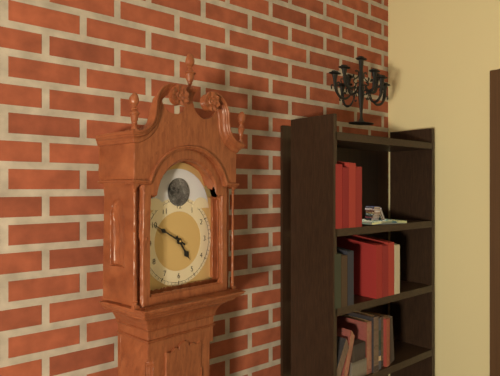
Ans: 4:50
